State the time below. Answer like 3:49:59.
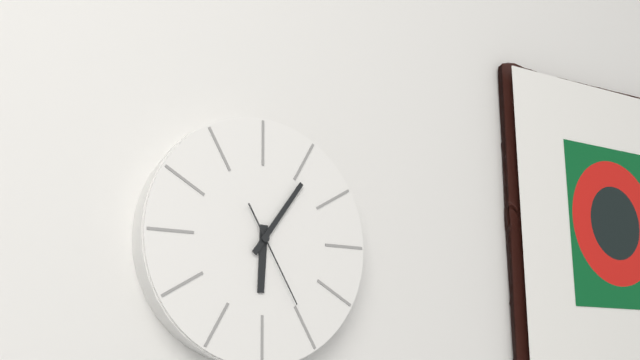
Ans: 6:06:25
